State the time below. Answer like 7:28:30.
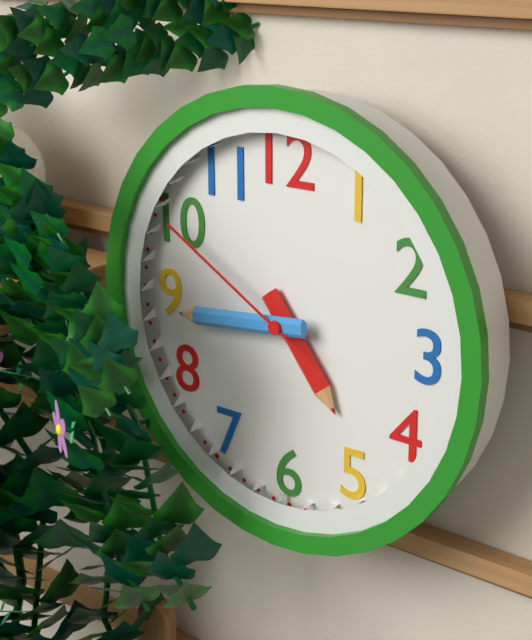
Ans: 4:44:50
